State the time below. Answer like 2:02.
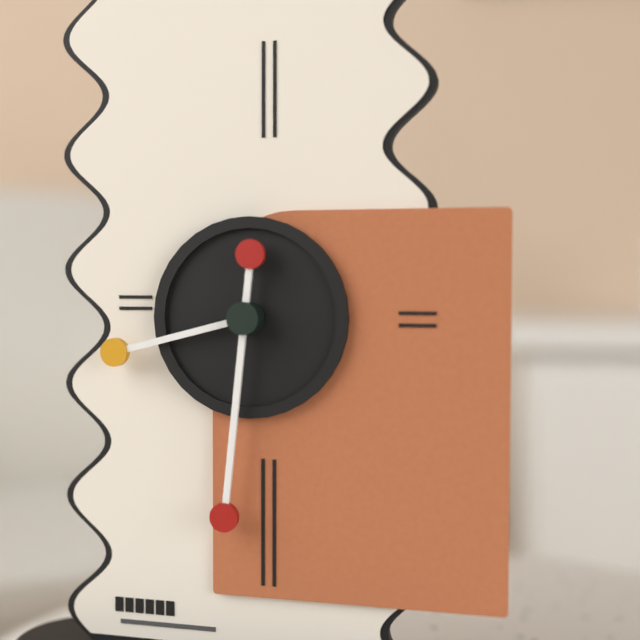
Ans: 8:31
